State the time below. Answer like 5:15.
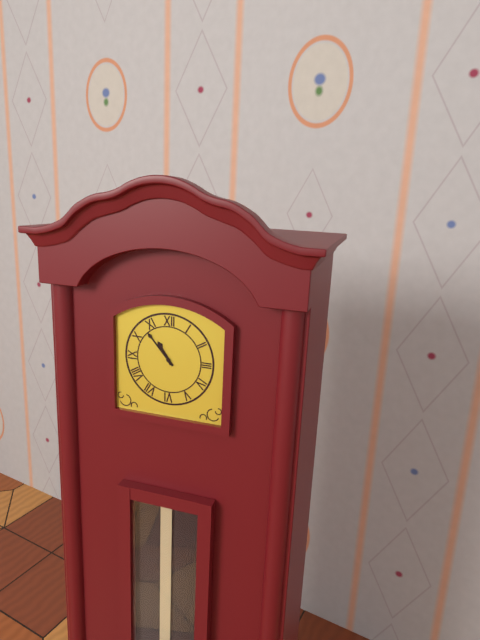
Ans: 10:53
